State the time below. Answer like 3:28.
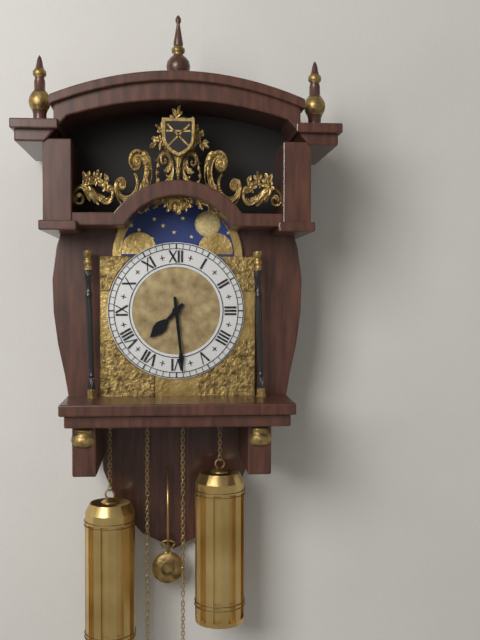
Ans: 7:29
